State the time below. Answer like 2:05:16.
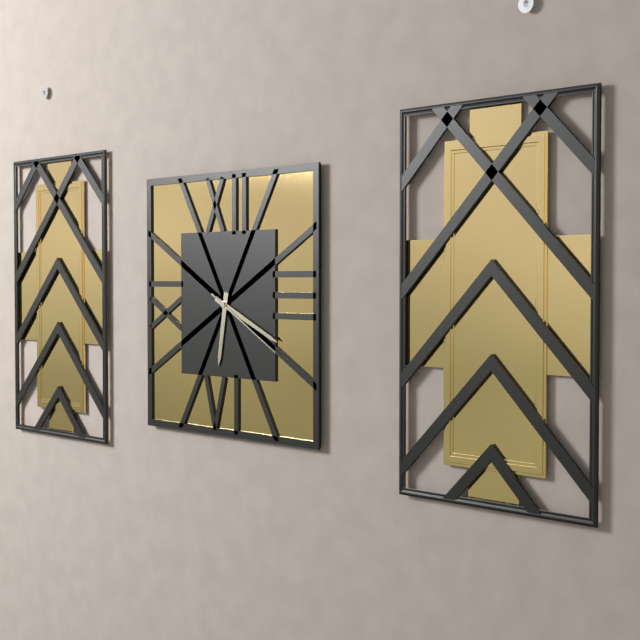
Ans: 6:19:20
